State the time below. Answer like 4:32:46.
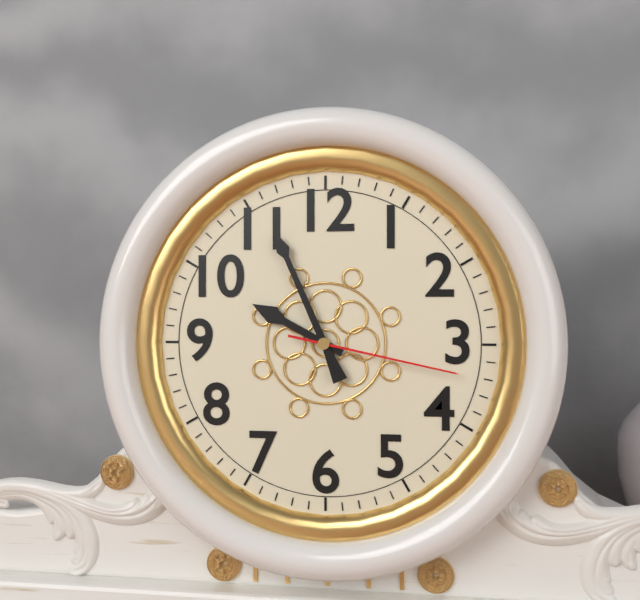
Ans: 9:56:17
